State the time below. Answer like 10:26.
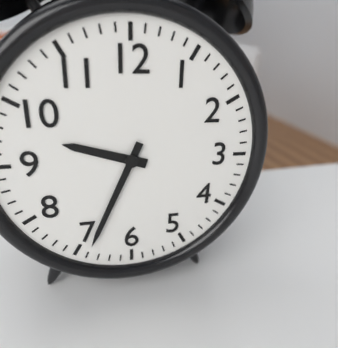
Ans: 9:34
